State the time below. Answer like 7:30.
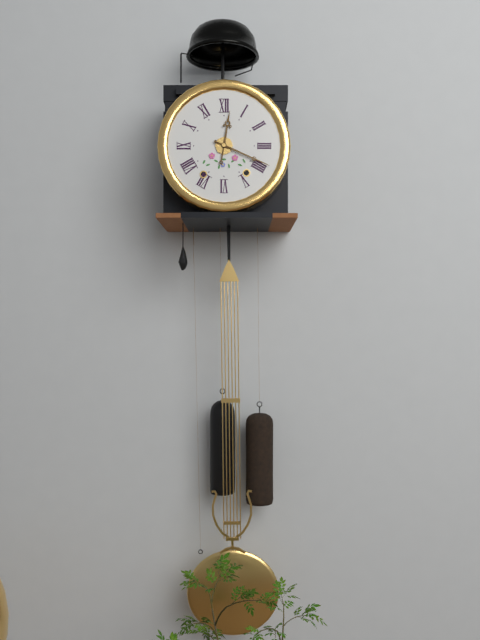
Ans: 12:19
